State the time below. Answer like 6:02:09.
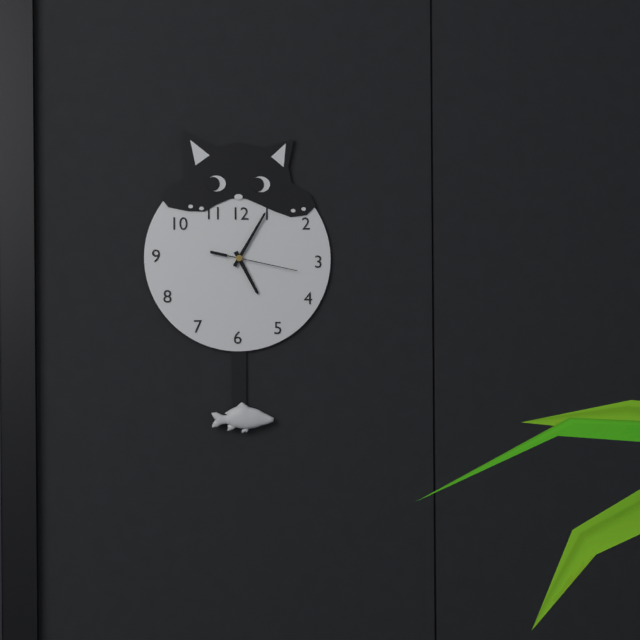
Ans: 5:05:17
